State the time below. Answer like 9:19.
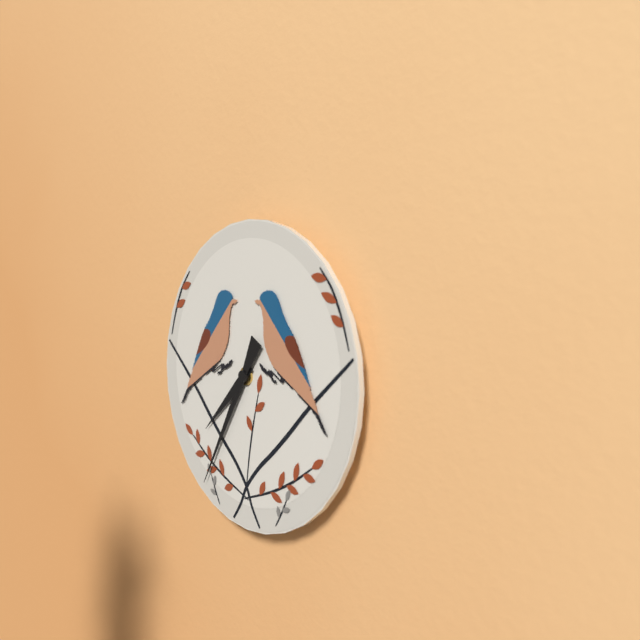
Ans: 7:35
